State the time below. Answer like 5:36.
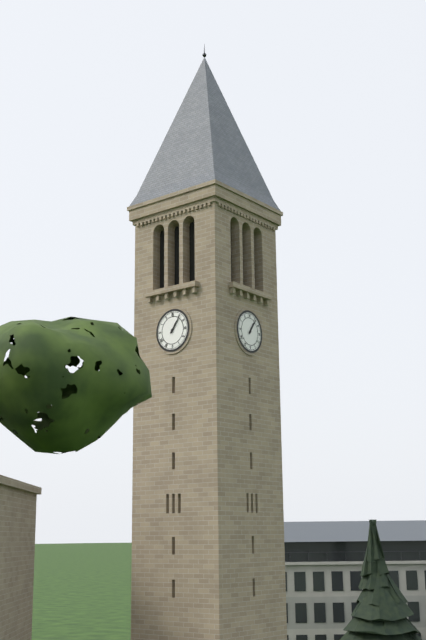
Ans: 1:06
